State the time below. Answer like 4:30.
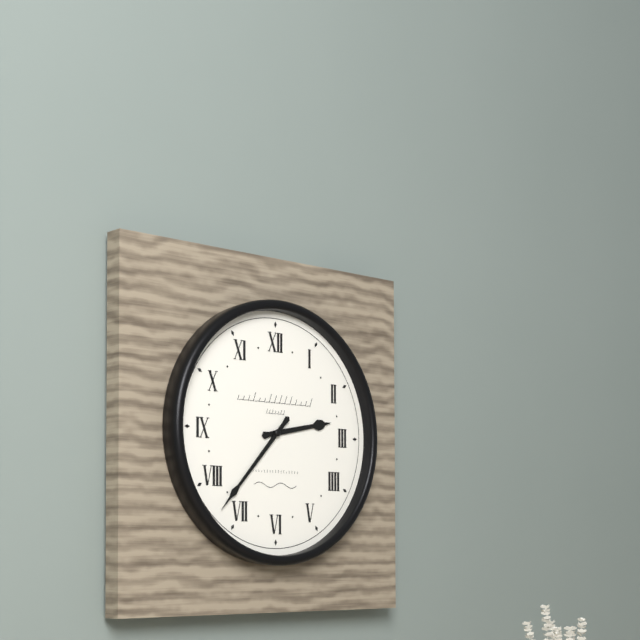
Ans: 2:37
